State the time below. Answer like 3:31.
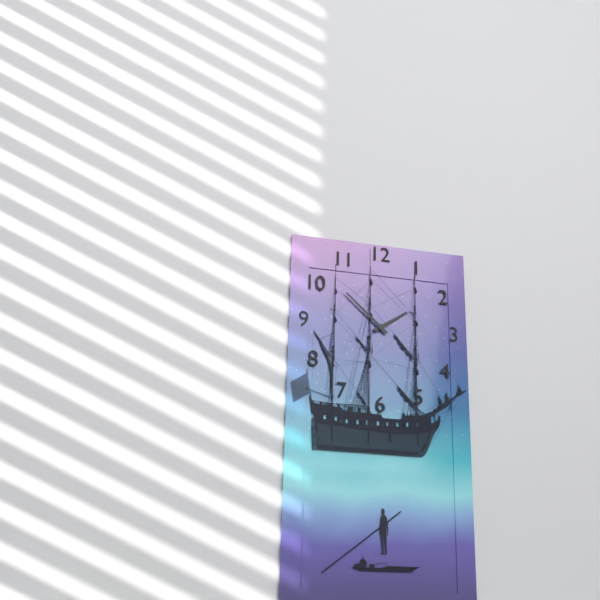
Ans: 1:52
